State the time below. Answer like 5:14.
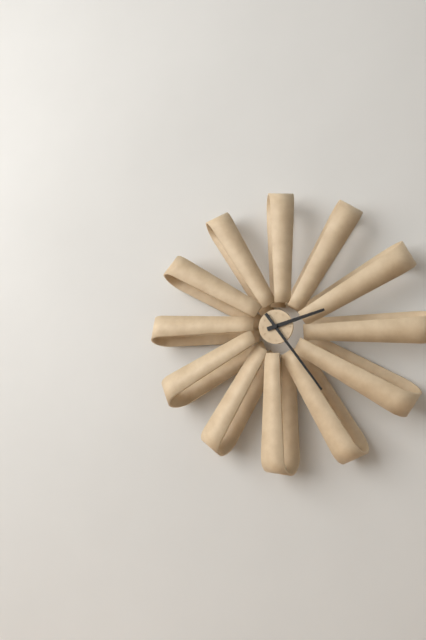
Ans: 2:24
